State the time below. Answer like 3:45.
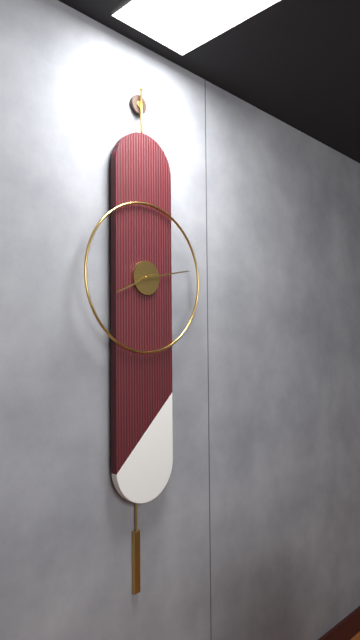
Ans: 8:13
